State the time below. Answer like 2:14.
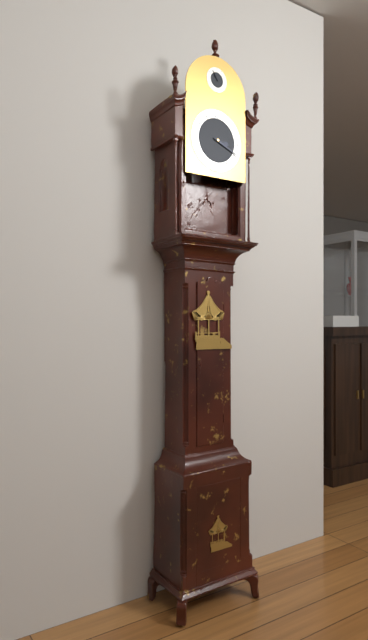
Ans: 3:19
